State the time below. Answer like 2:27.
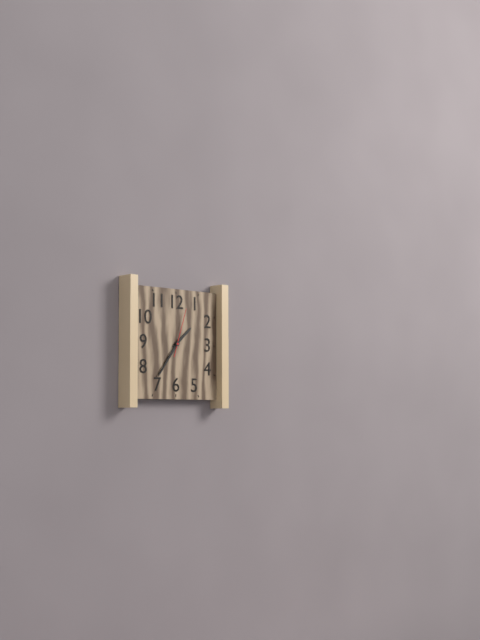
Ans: 1:36
